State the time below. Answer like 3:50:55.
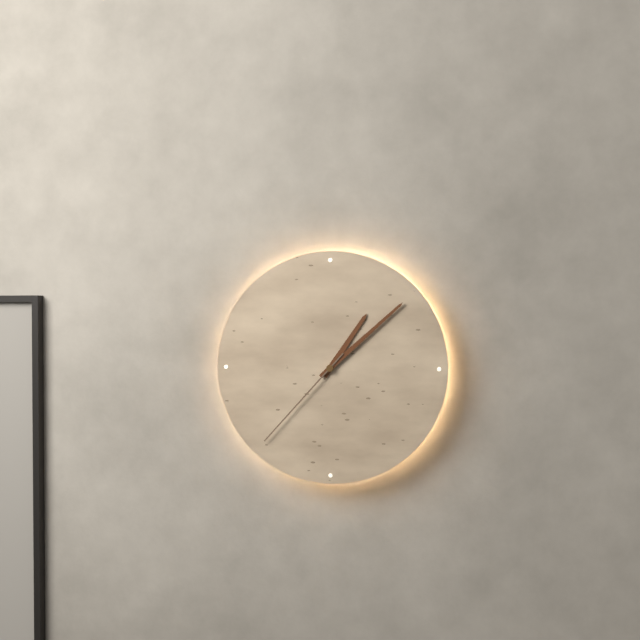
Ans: 1:08:37
